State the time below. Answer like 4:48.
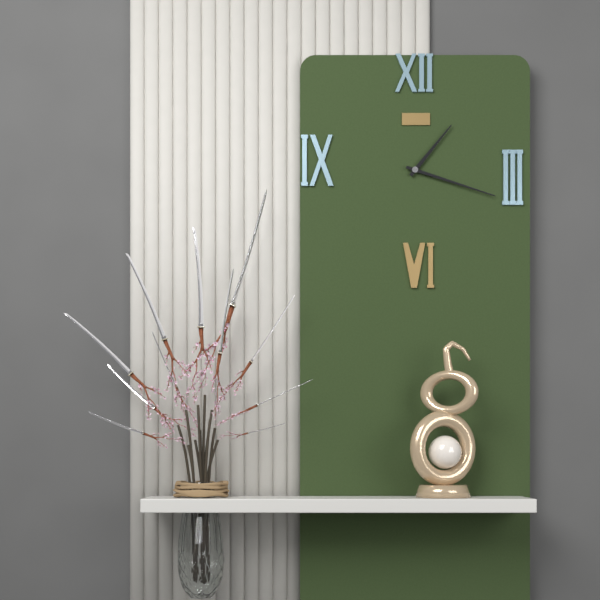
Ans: 1:18
